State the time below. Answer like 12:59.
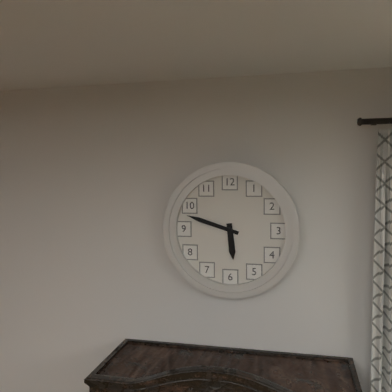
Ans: 5:48
